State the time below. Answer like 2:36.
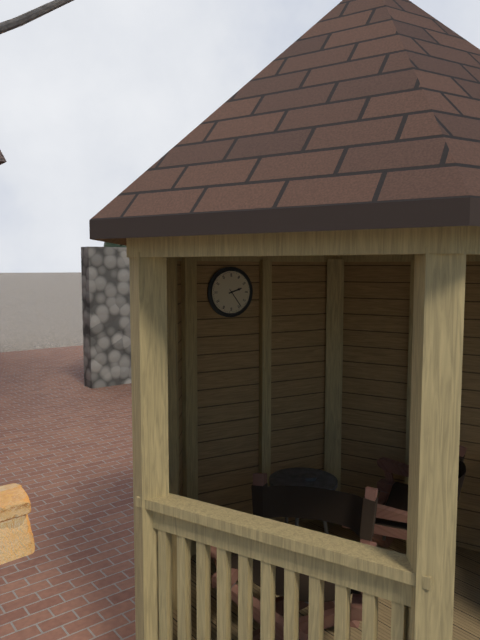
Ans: 2:24
